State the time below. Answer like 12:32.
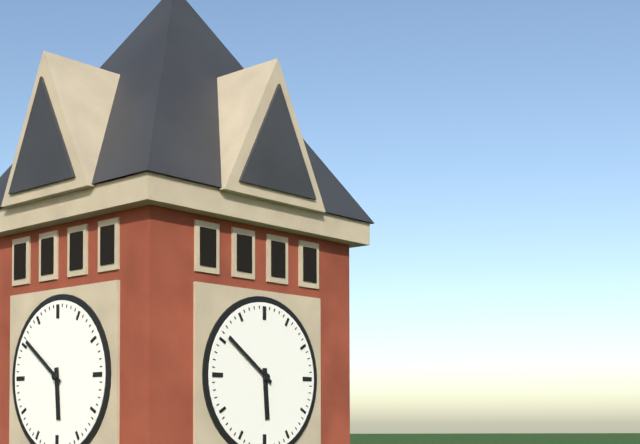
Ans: 5:51
